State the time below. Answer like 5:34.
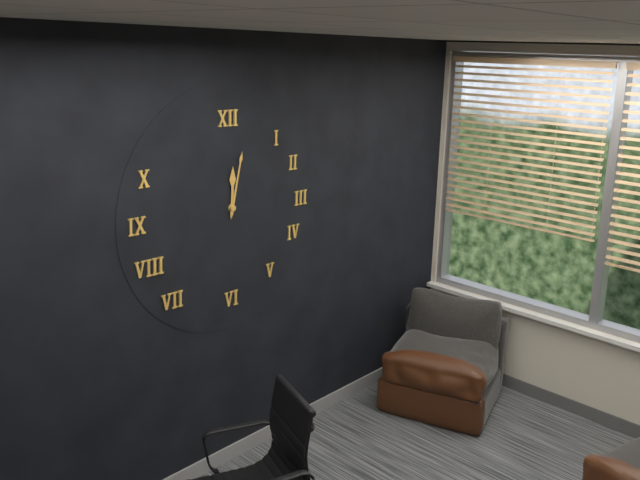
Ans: 12:02
